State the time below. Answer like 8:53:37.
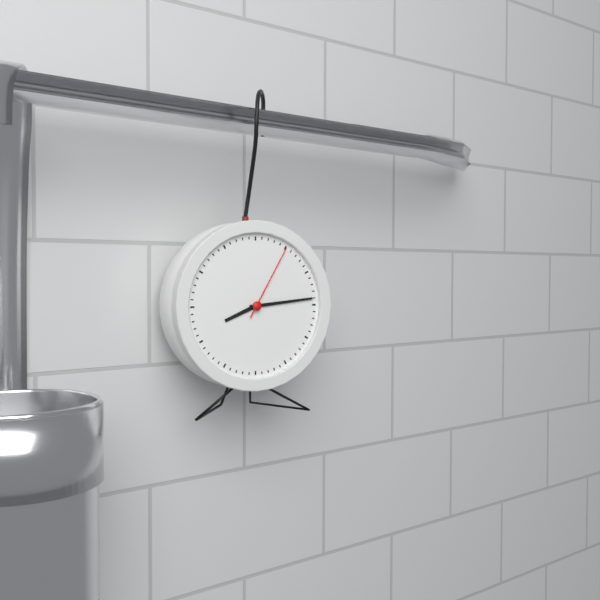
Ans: 8:14:05
